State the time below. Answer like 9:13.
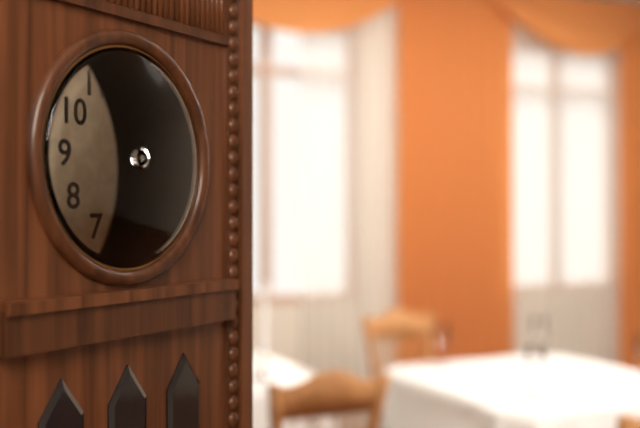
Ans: 3:59
